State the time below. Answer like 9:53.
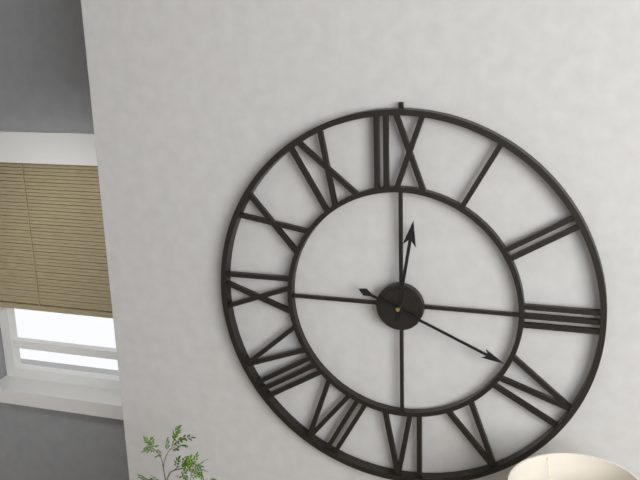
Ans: 12:19
